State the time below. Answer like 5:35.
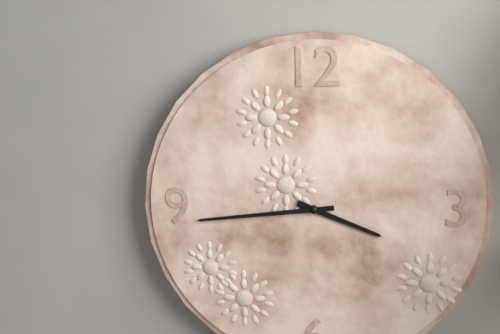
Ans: 3:44
